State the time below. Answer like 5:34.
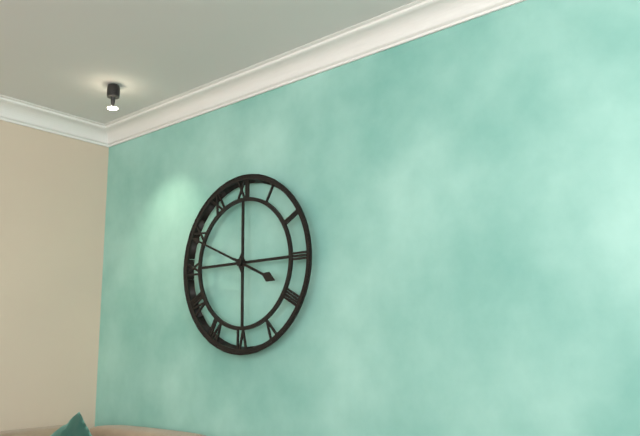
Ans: 3:49
